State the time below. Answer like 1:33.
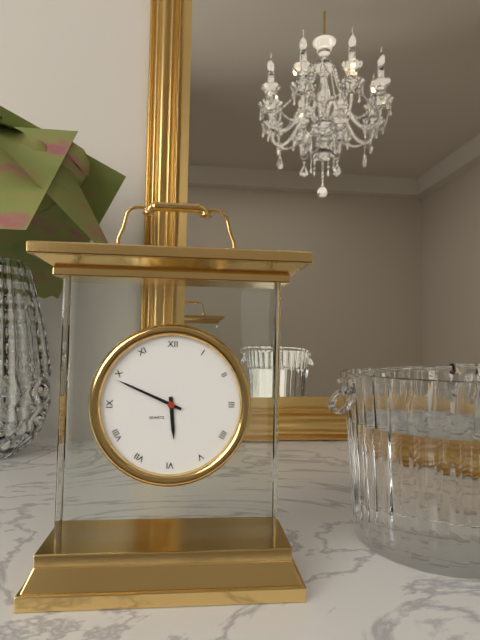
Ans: 5:49
